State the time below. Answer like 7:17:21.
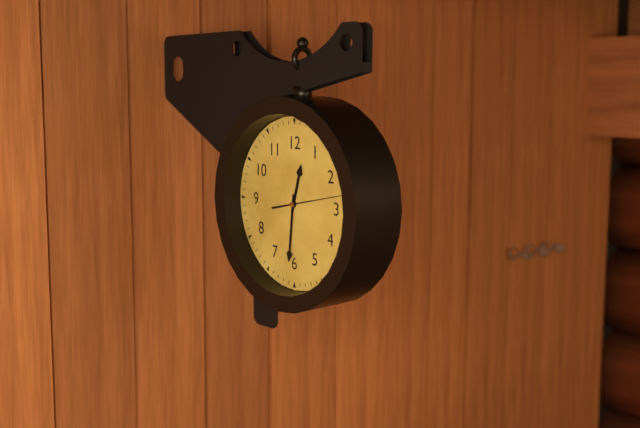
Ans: 12:31:13
